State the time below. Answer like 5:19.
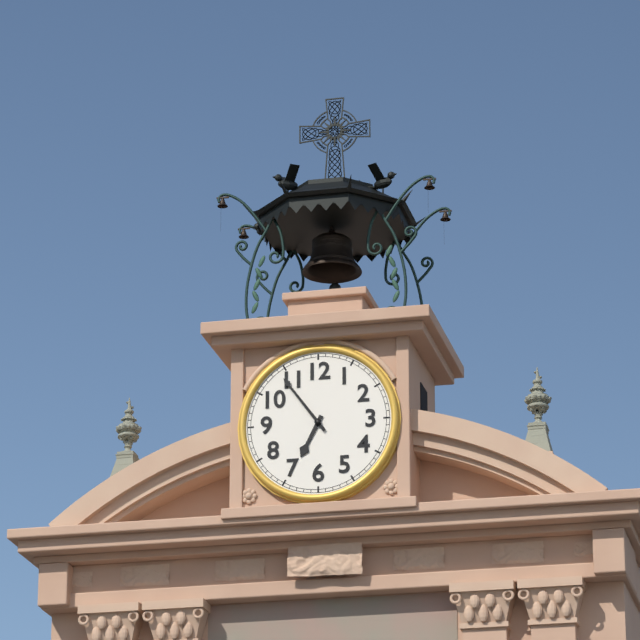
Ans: 6:54
